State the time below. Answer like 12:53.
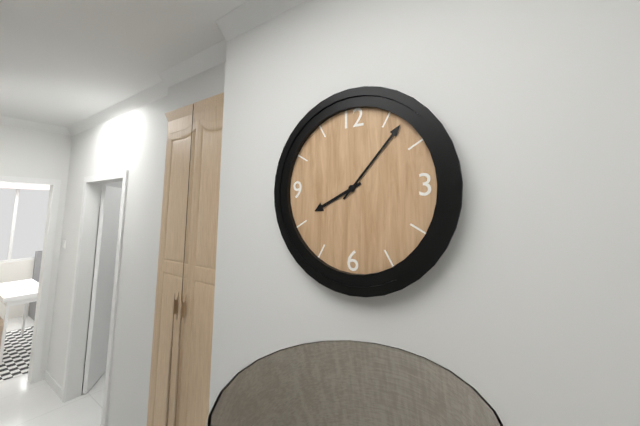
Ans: 8:07
